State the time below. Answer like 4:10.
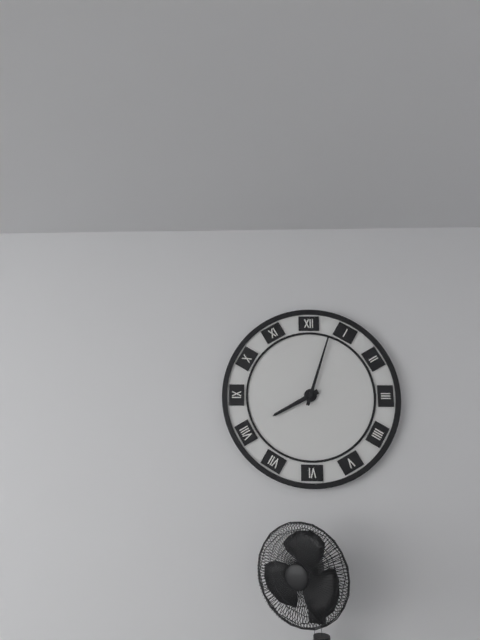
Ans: 8:03
